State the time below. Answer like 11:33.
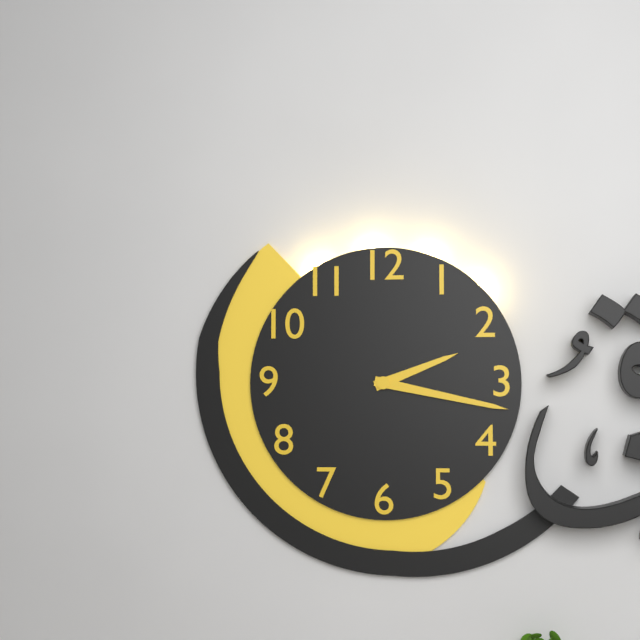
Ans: 2:17
